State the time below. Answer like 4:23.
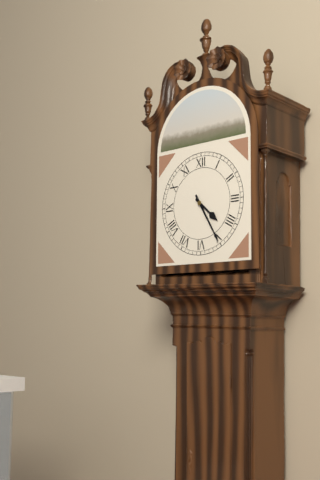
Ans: 4:25
